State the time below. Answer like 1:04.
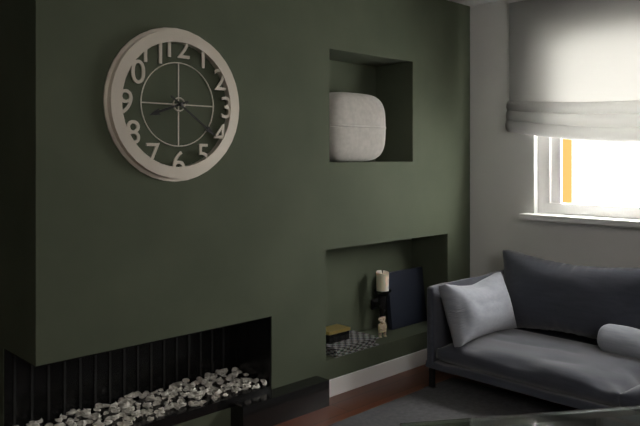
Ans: 8:21
